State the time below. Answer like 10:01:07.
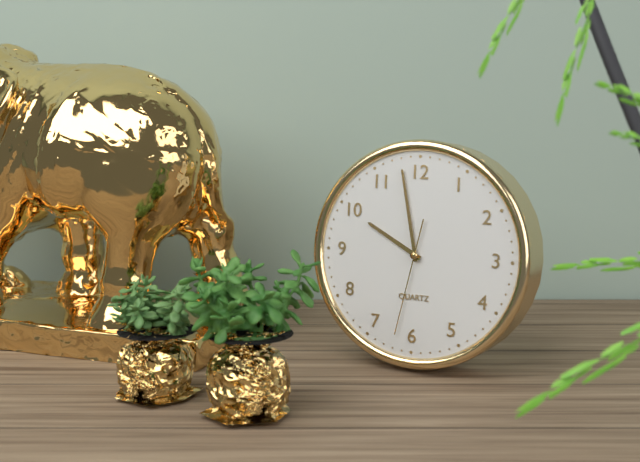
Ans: 9:58:32
